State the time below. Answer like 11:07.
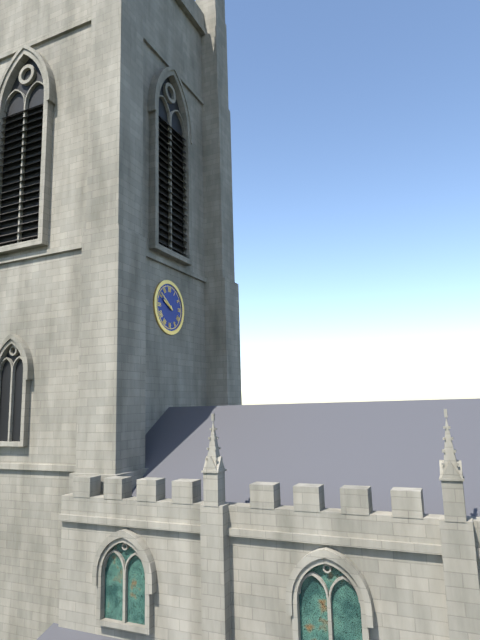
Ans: 9:51
